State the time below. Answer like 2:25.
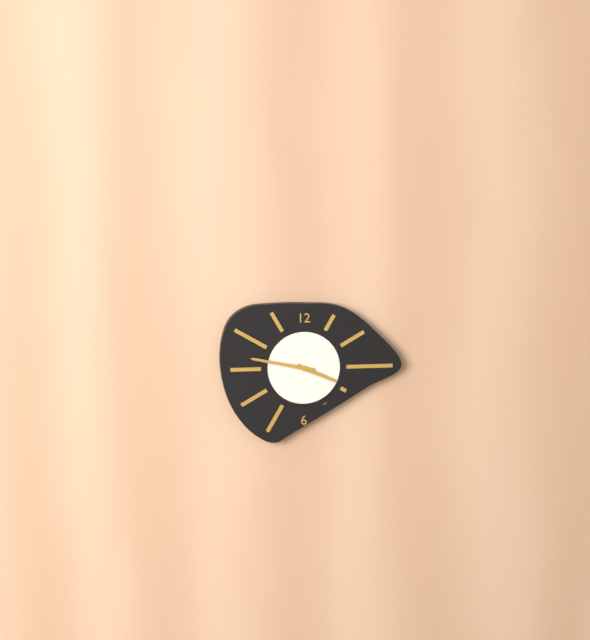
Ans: 3:47
